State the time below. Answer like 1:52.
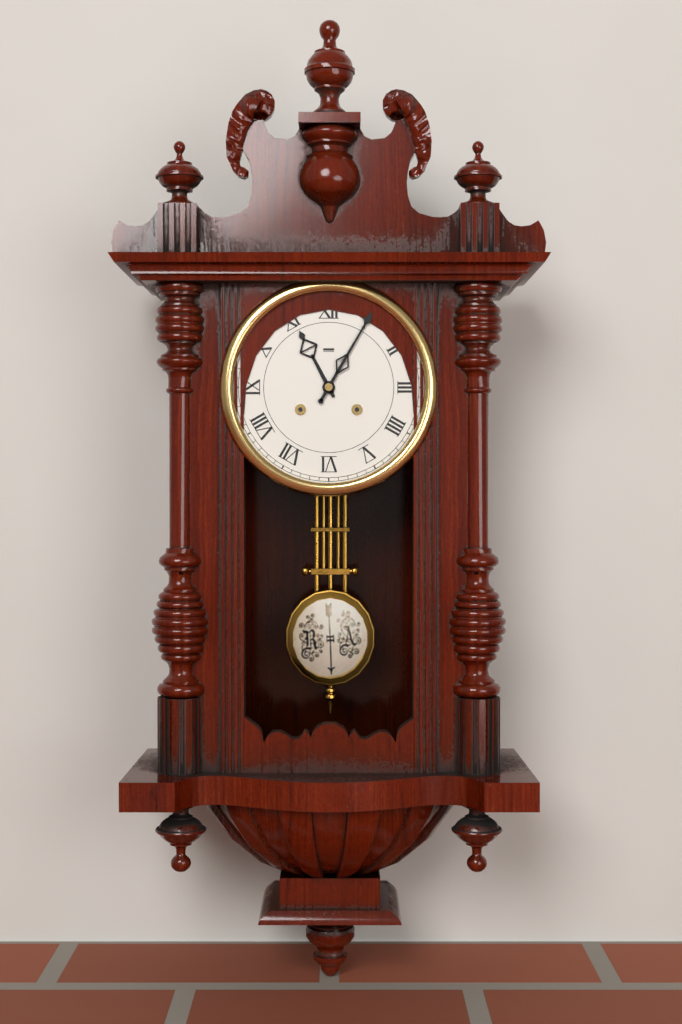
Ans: 11:05
